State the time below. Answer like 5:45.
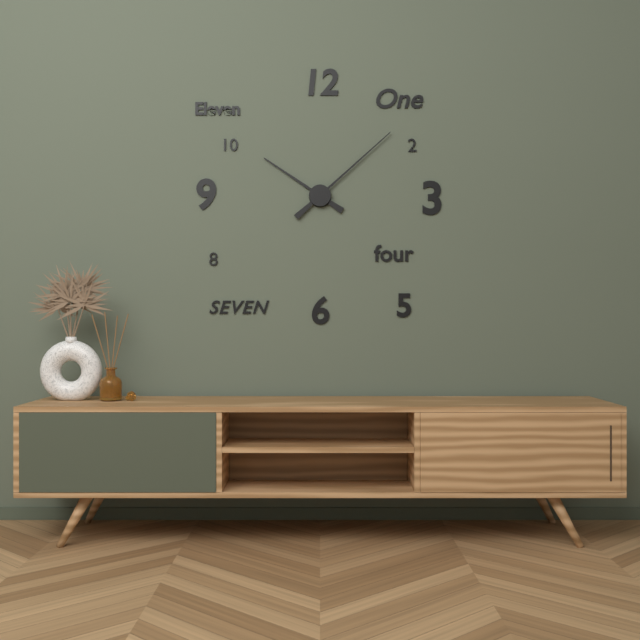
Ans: 10:08
